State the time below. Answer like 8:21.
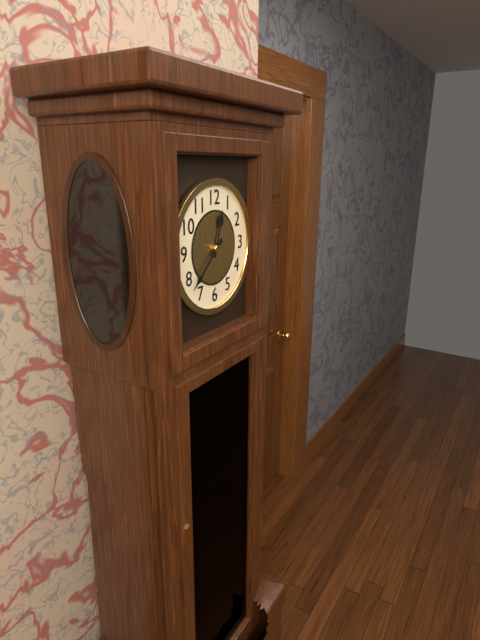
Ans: 12:38
